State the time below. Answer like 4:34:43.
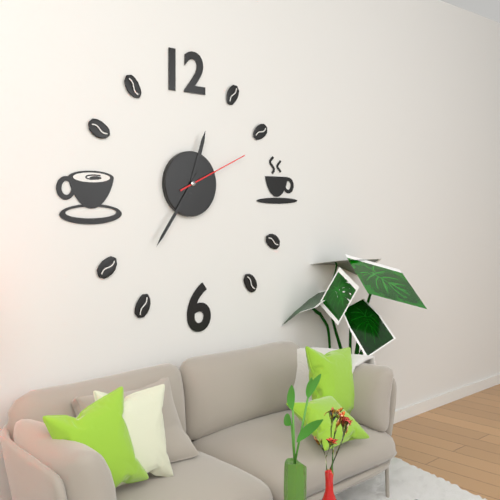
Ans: 12:36:11
